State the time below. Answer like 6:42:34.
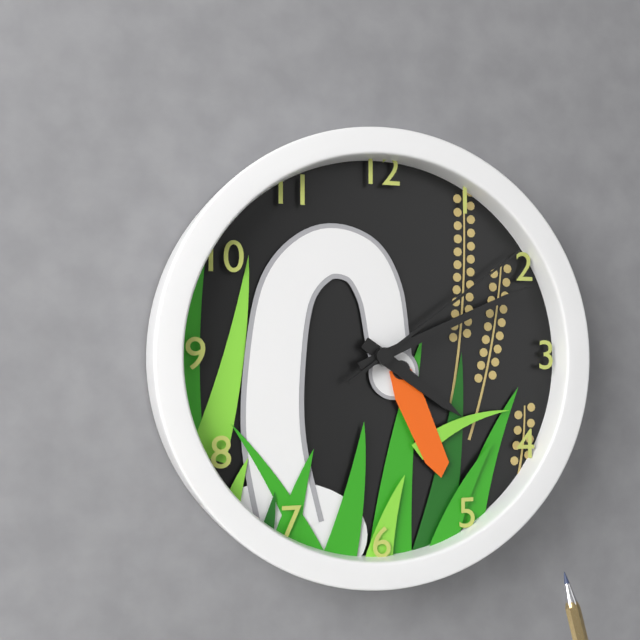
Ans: 4:11:09
